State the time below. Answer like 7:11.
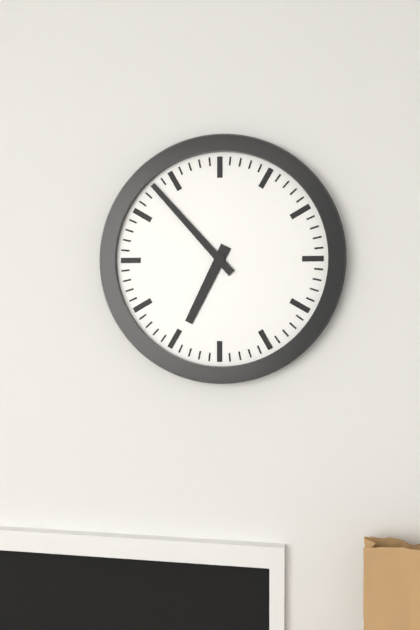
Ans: 6:53
